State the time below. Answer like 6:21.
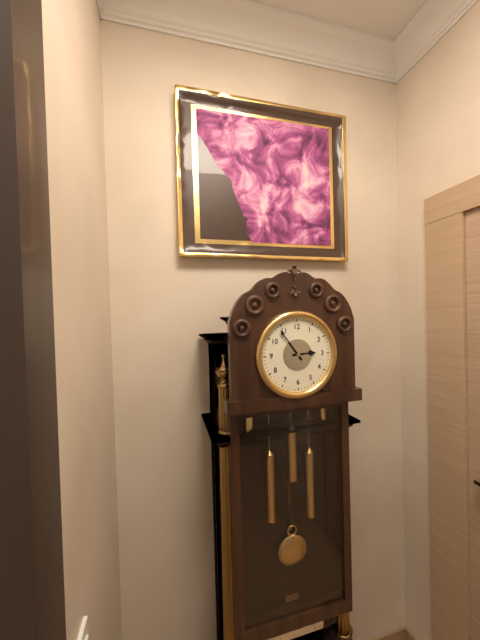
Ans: 2:54
